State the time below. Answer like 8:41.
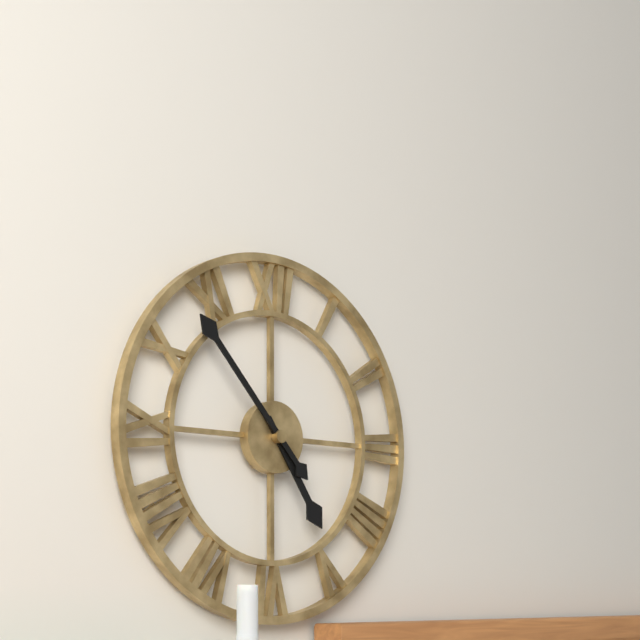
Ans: 4:53
